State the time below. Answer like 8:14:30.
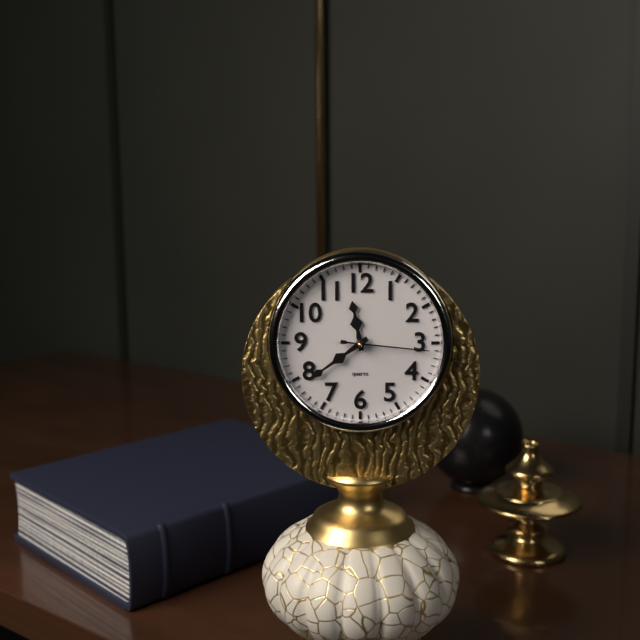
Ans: 11:39:16
